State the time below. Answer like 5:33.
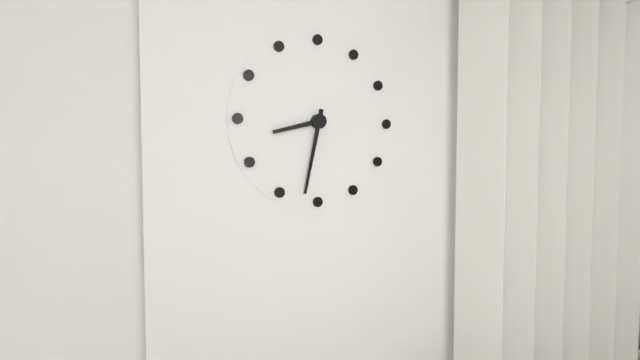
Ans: 8:32
